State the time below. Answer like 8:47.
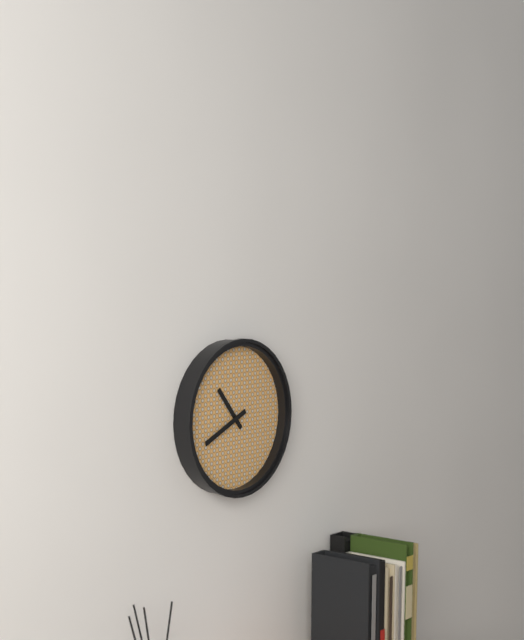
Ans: 10:41
